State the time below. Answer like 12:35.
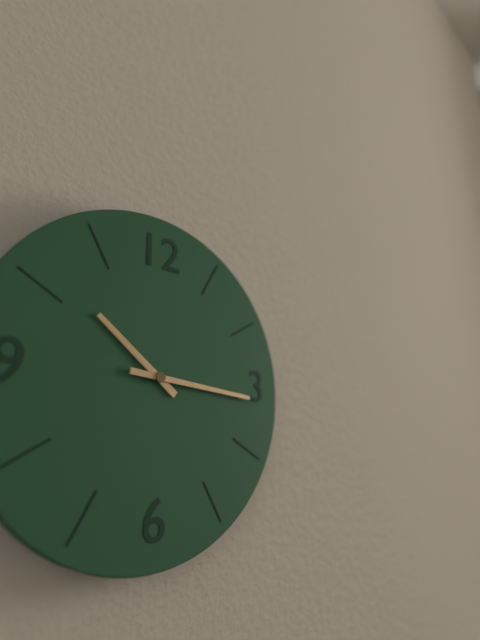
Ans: 10:16
